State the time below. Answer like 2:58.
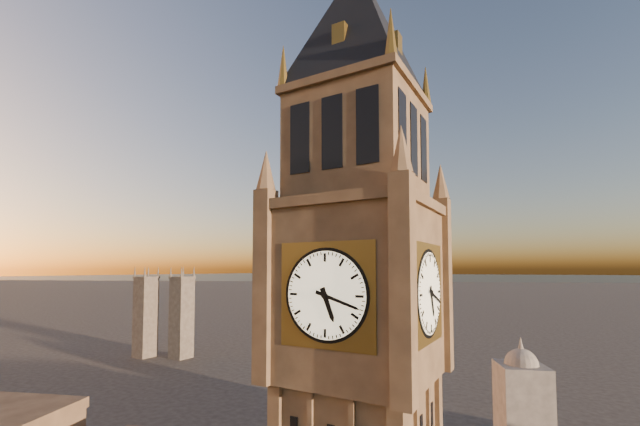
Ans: 5:18
